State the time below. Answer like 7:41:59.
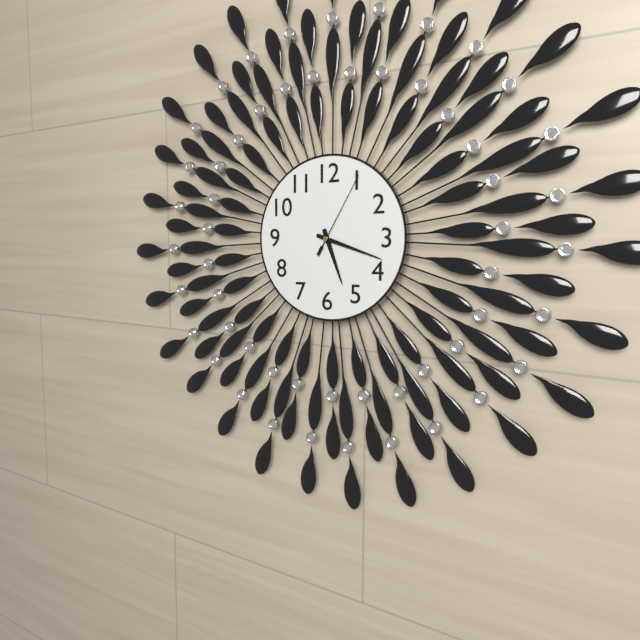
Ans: 5:18:05
